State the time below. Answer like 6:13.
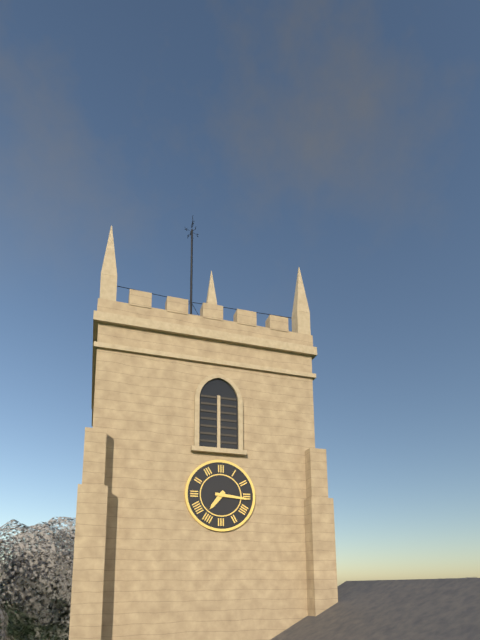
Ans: 7:16
